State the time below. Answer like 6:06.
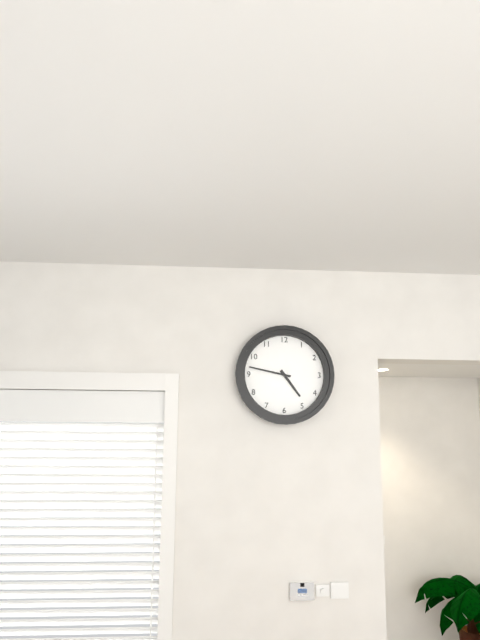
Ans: 4:47
